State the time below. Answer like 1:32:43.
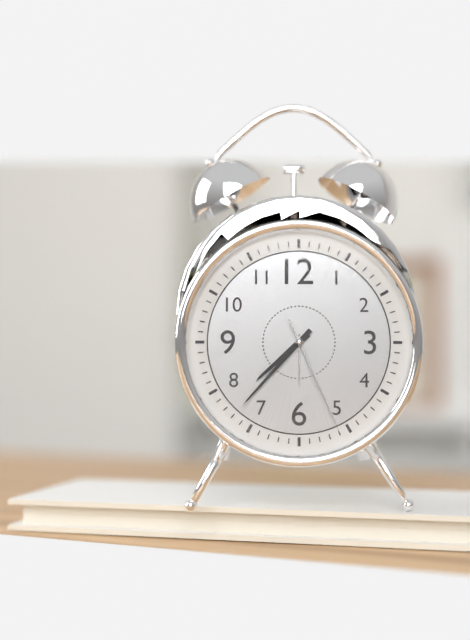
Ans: 7:37:26
